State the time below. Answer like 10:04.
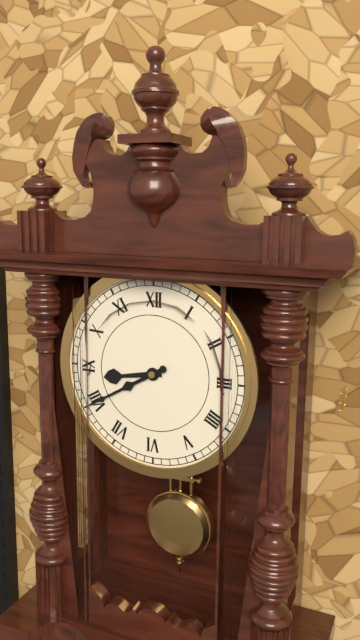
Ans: 8:40
